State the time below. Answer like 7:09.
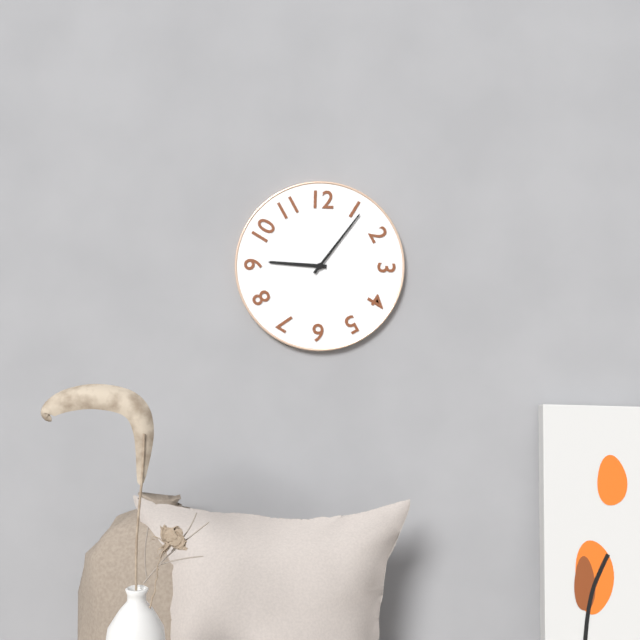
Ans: 9:06
